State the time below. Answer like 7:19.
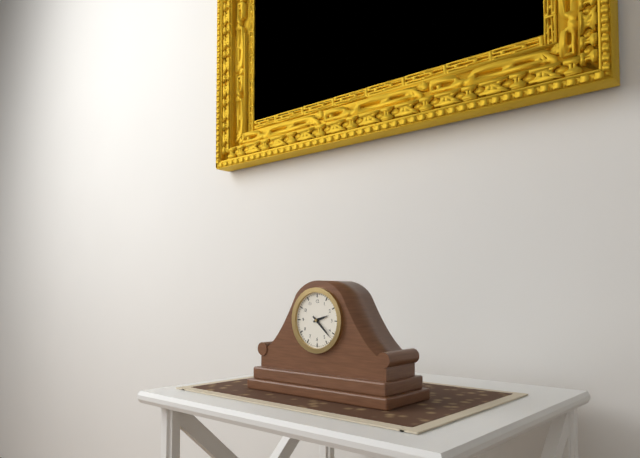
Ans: 2:22
